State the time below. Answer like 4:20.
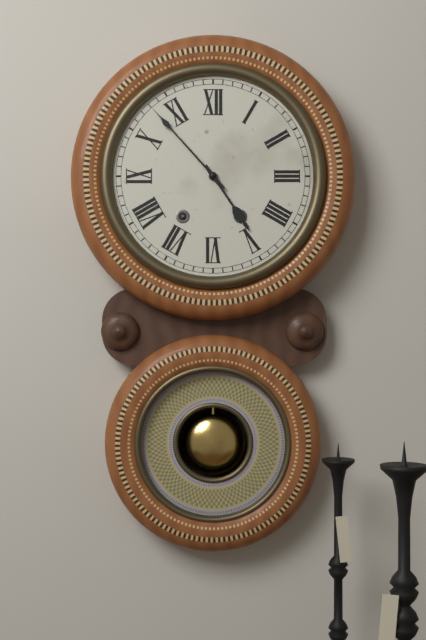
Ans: 4:53
